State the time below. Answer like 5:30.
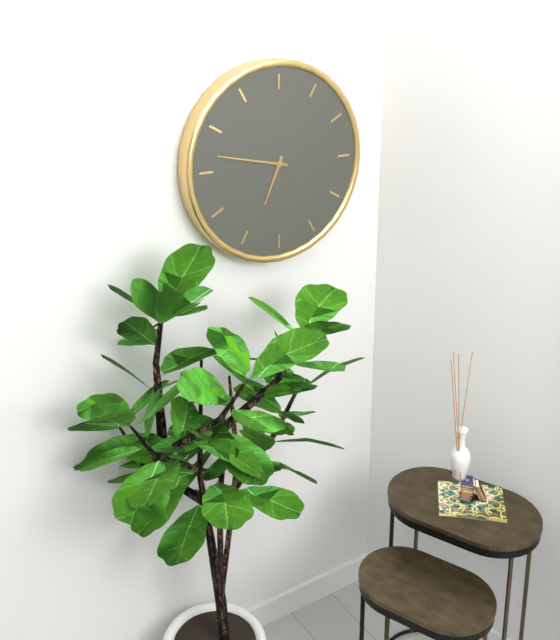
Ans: 6:47
